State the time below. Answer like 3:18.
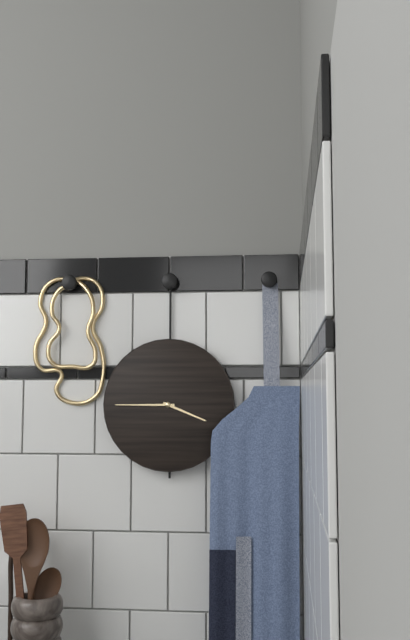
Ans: 3:45
